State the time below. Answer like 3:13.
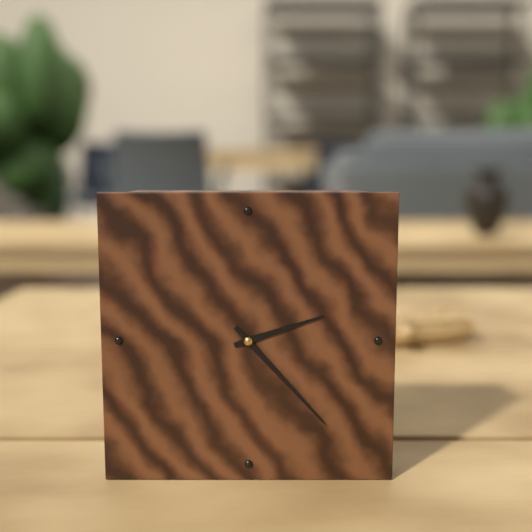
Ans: 2:23
